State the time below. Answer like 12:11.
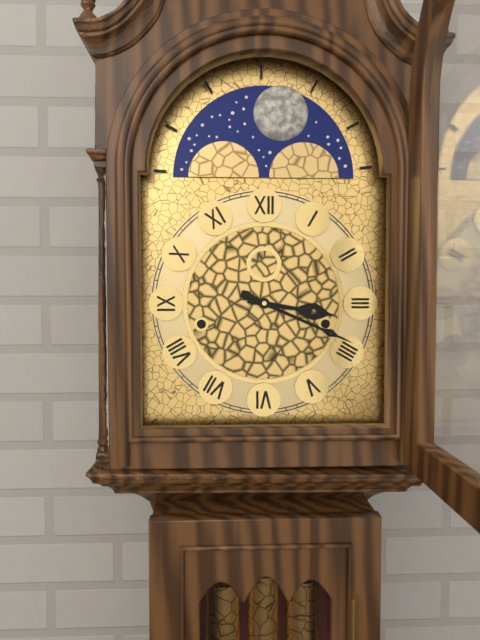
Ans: 3:19
